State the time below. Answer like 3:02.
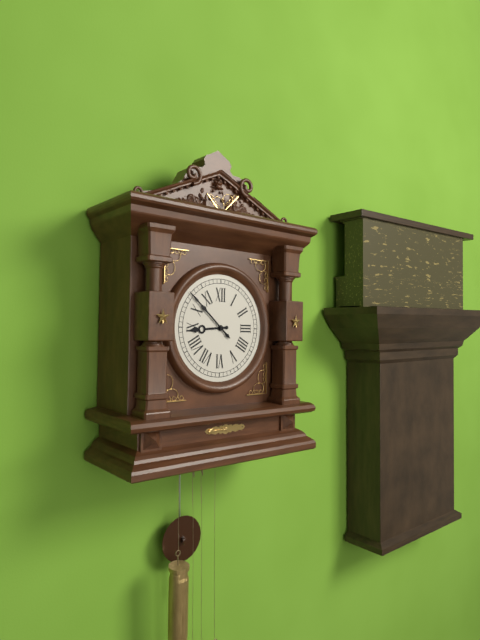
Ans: 8:52
